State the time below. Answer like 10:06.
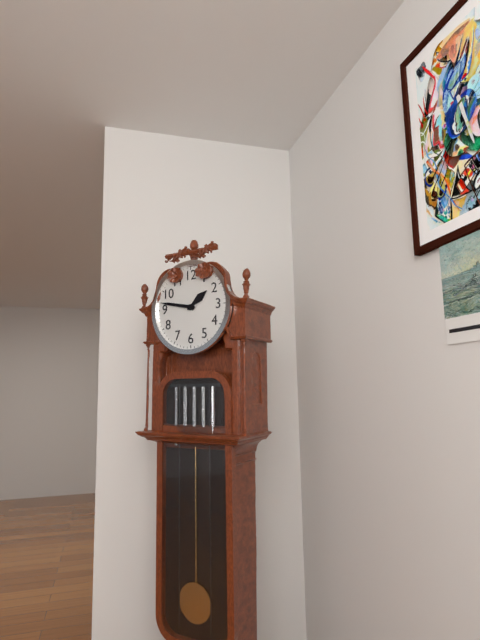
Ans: 1:47
